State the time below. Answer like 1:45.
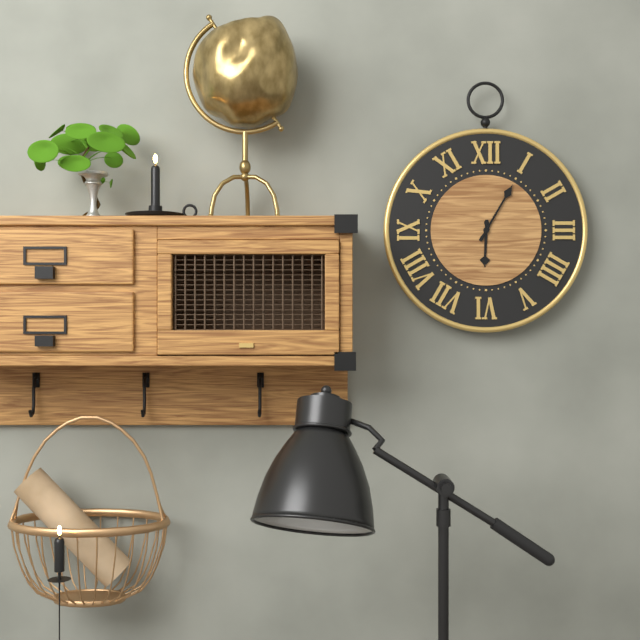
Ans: 6:05
